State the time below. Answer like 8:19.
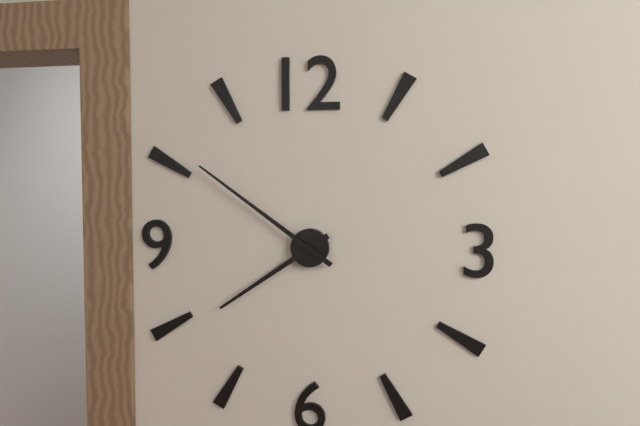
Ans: 7:51
